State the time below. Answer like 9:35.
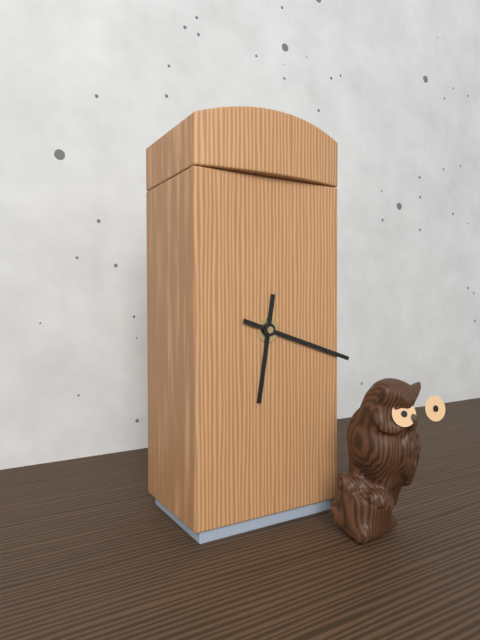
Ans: 6:18
